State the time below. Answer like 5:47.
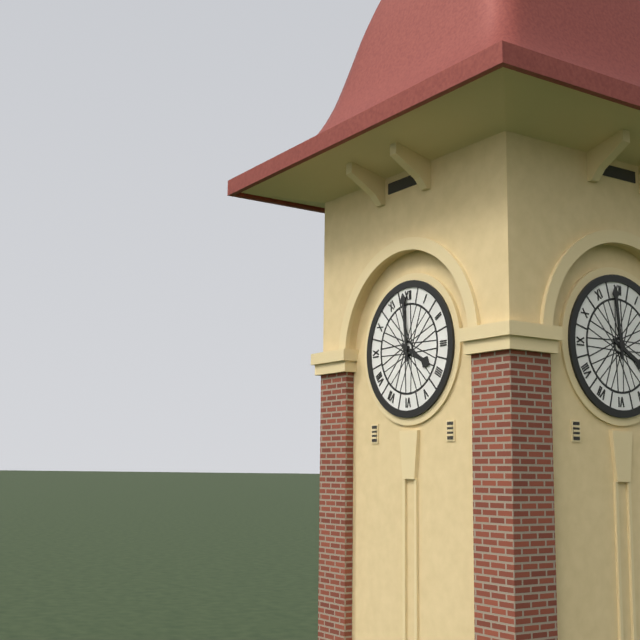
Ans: 3:59
